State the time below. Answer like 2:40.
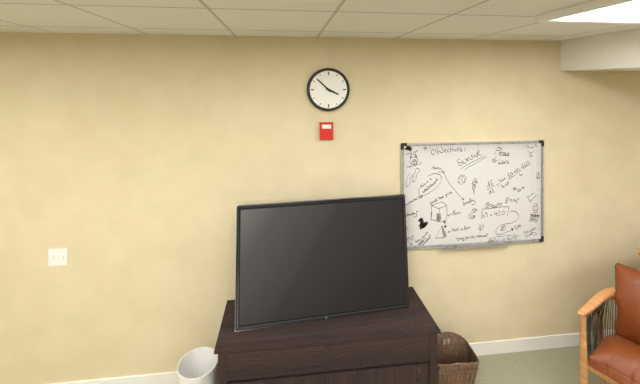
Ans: 3:52
